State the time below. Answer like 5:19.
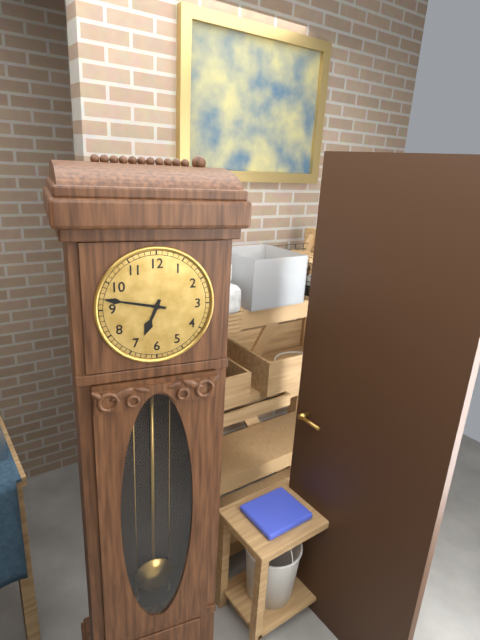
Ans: 6:47
